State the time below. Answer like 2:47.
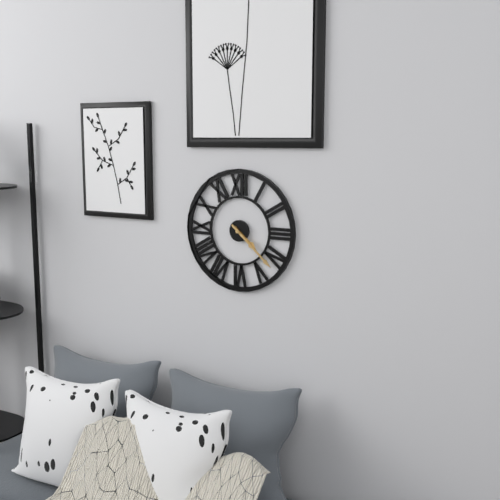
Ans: 4:22
